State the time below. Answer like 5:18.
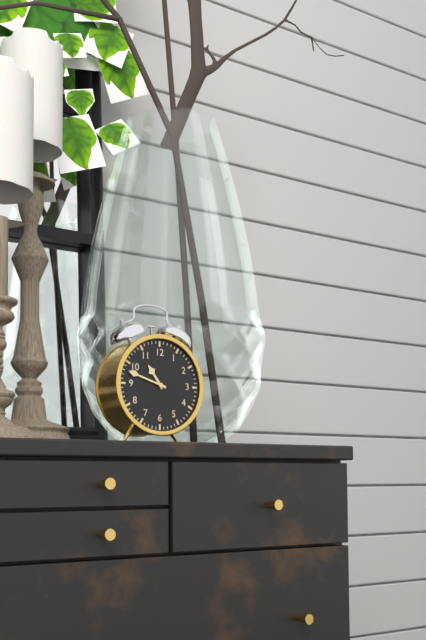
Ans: 10:48
